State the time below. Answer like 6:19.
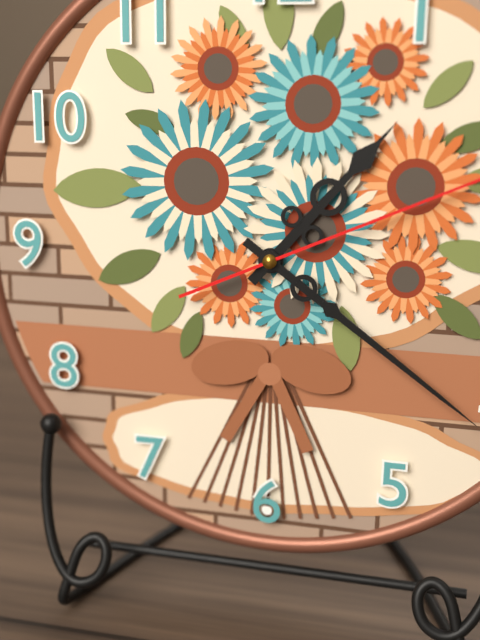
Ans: 1:21
